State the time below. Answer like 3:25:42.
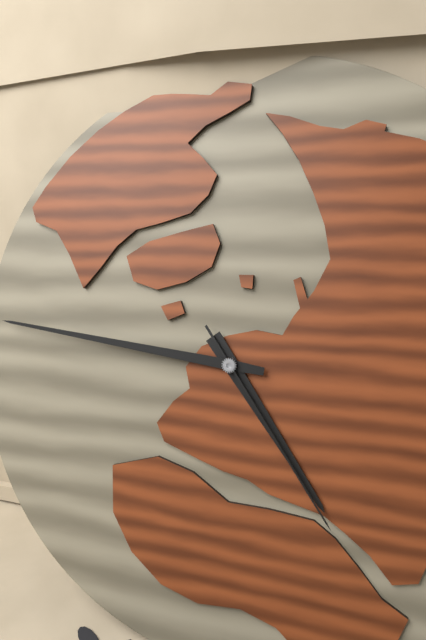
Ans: 4:46:24
